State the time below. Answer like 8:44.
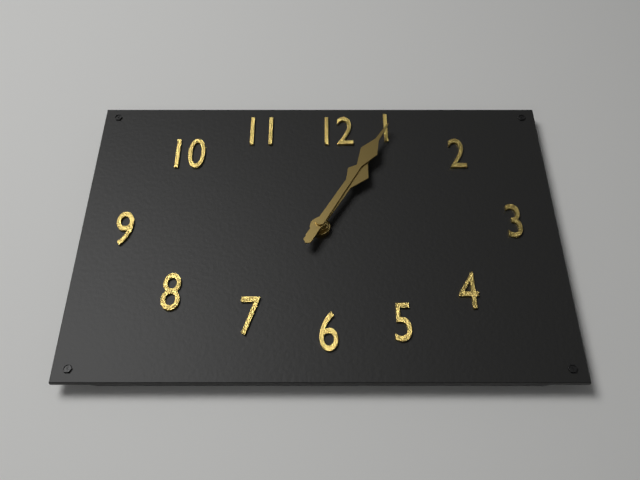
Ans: 1:05
